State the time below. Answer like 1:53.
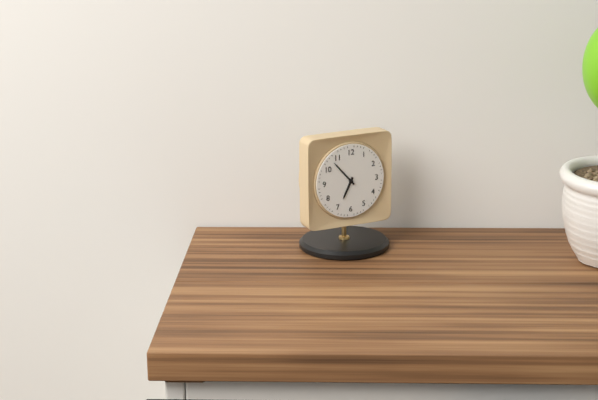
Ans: 6:53
